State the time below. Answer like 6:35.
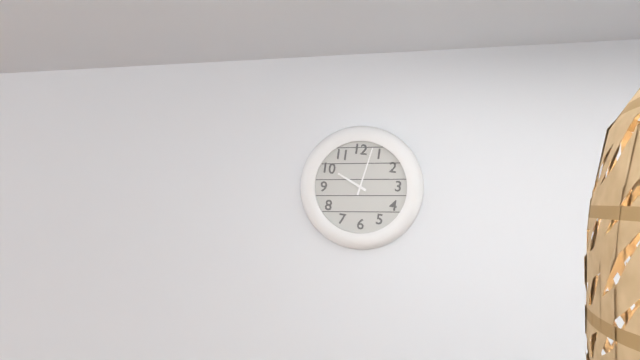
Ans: 10:03
